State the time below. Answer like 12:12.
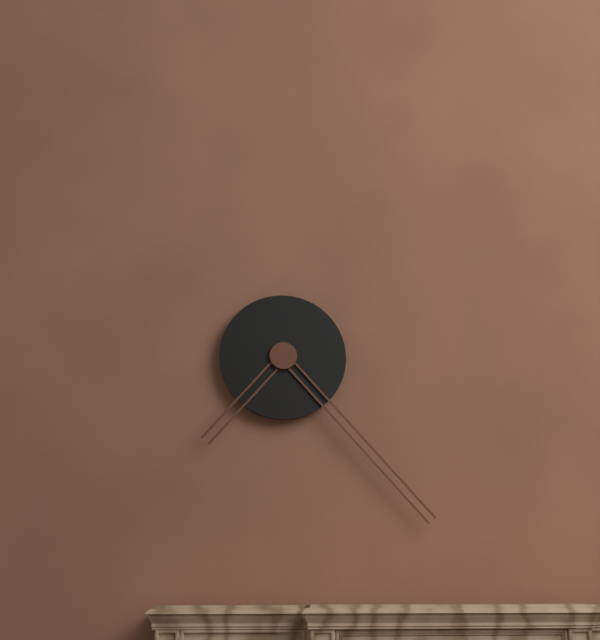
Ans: 7:23
